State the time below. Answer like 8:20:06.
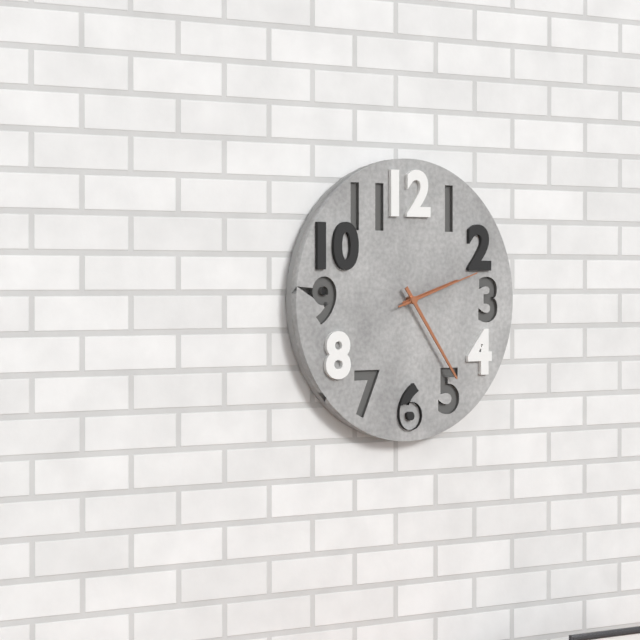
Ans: 2:24:12
